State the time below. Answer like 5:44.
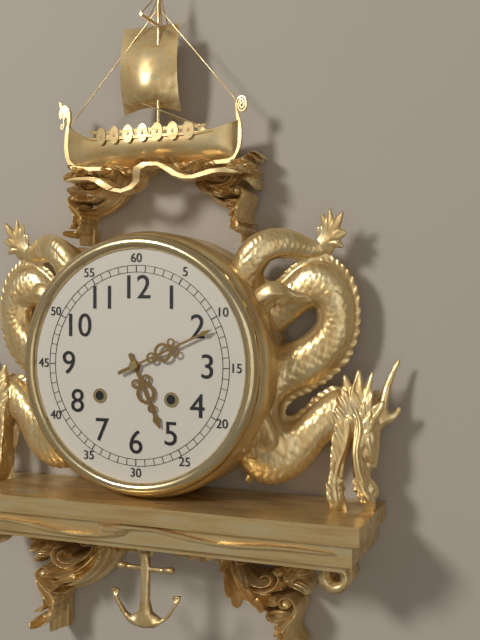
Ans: 5:11
